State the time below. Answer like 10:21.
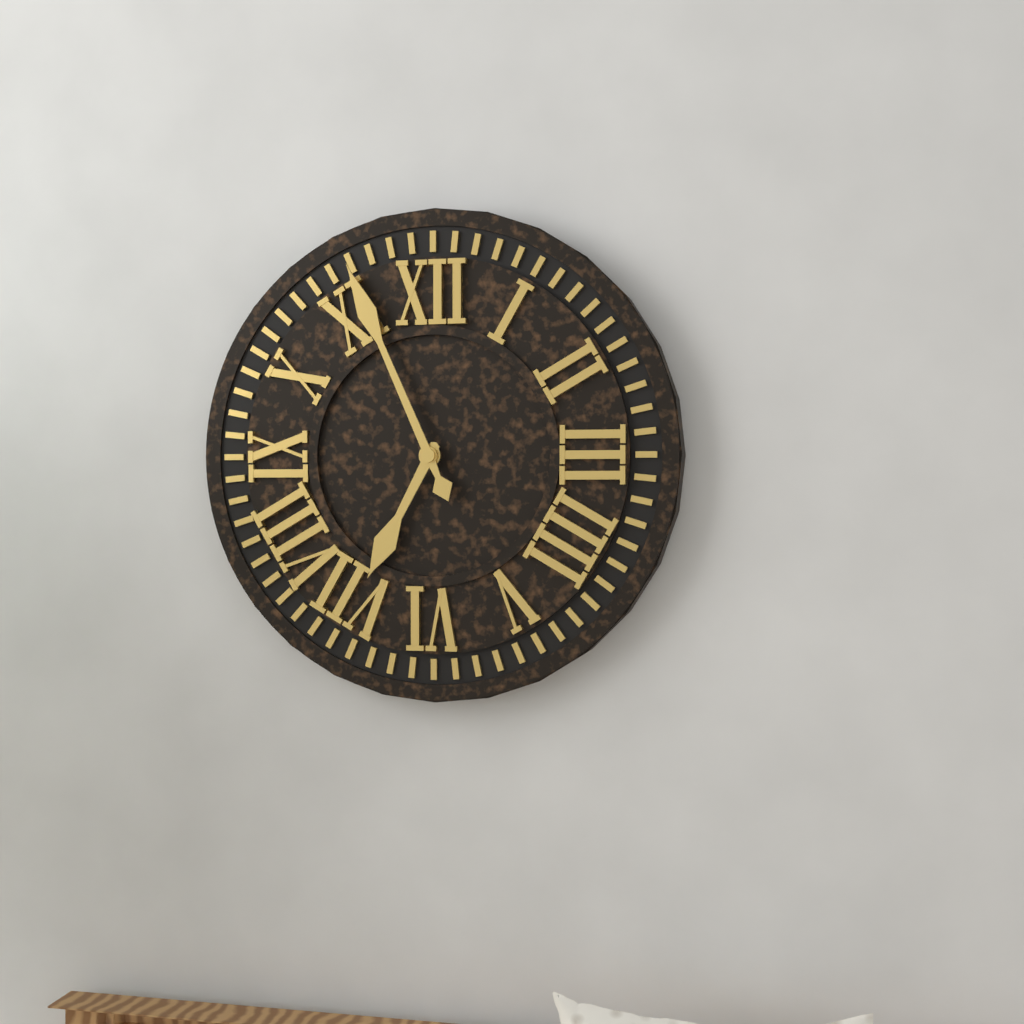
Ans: 6:56
